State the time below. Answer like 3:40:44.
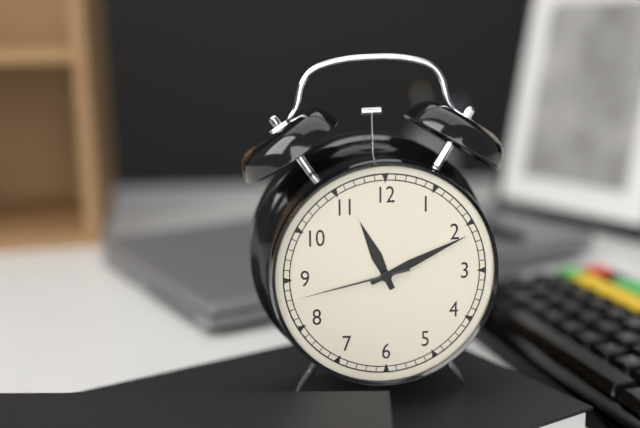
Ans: 11:11:43
